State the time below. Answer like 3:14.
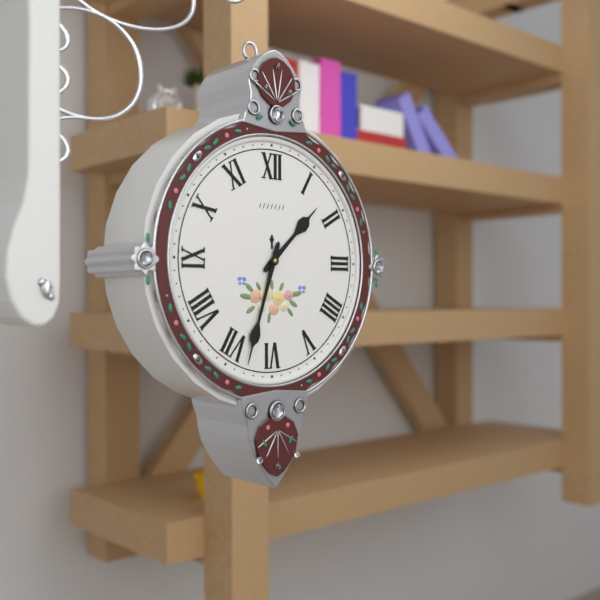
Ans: 1:33
